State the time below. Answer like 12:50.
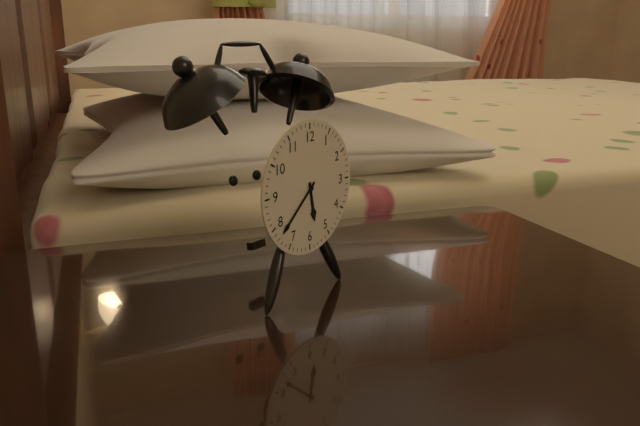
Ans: 5:38
